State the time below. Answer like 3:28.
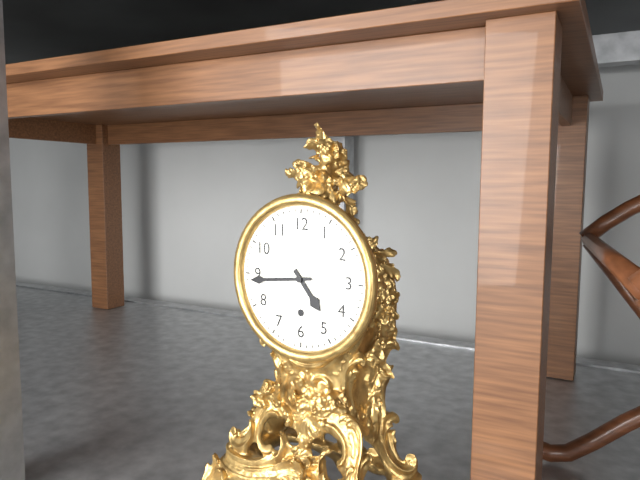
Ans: 4:44
